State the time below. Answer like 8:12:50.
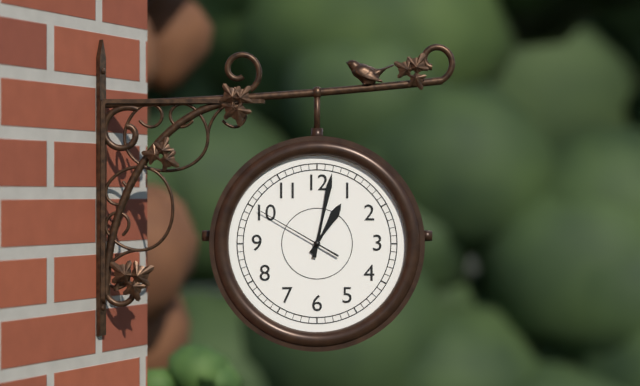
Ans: 1:02:50
